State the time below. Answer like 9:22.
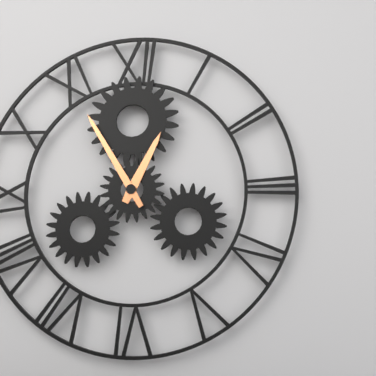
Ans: 12:55
